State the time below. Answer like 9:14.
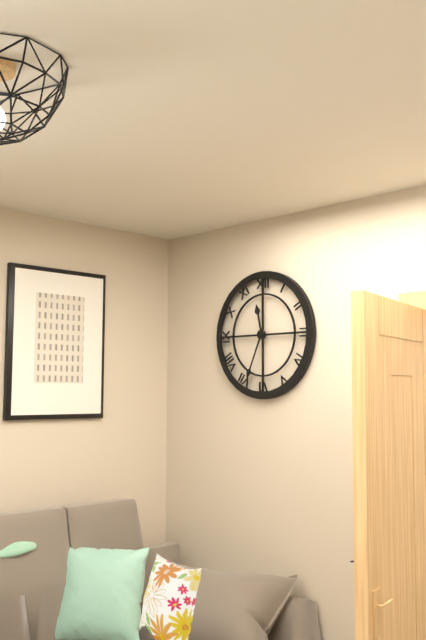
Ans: 11:34
